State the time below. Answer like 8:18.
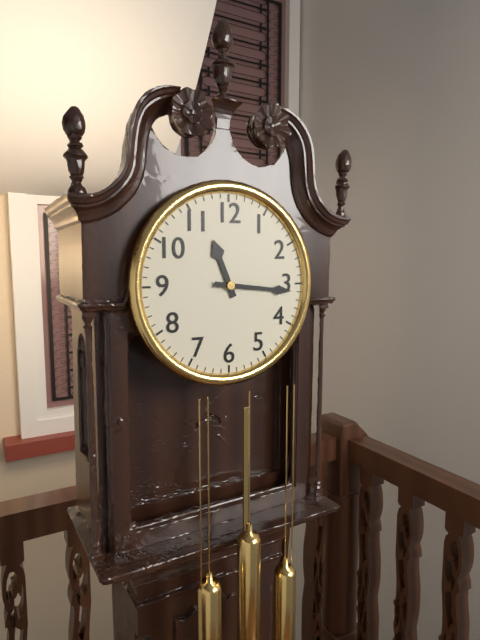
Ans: 11:16
